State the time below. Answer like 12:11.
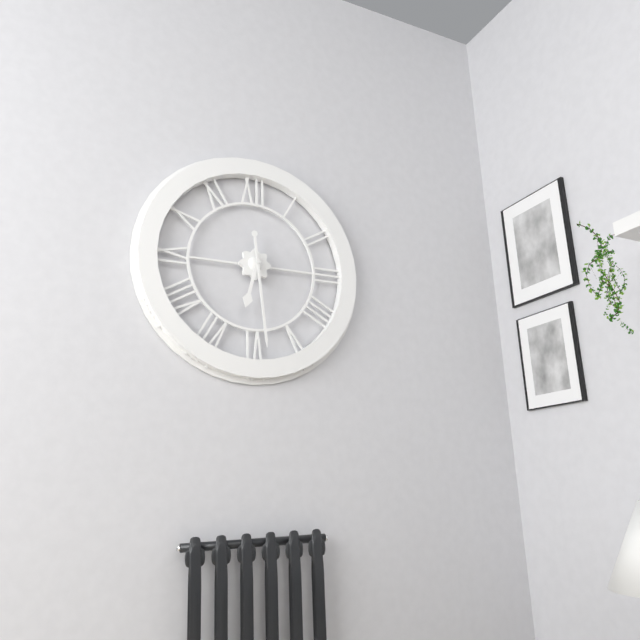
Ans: 6:29
